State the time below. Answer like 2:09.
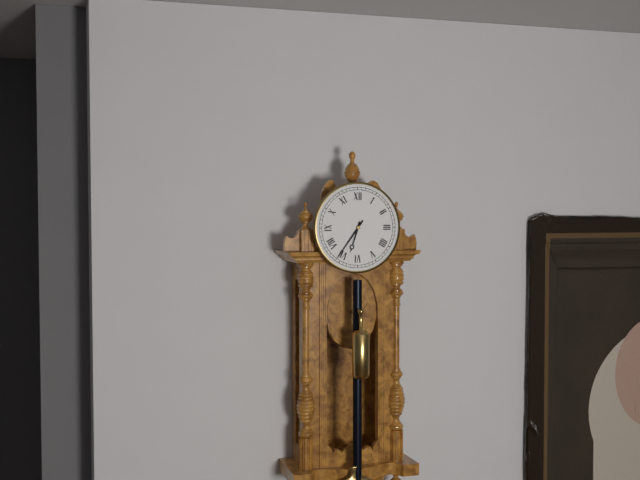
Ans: 6:36
